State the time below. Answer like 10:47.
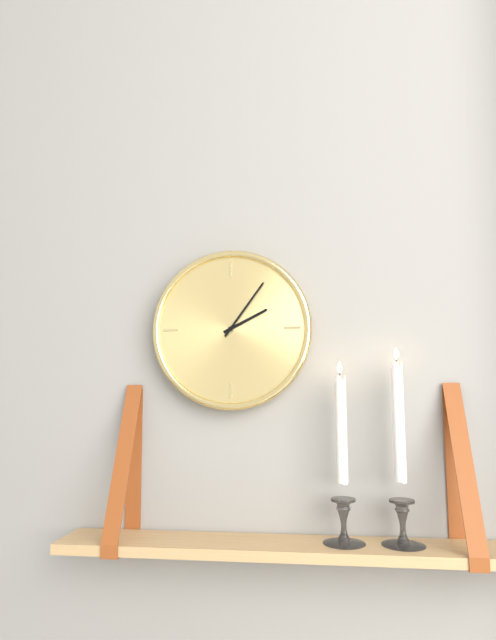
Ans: 2:06
